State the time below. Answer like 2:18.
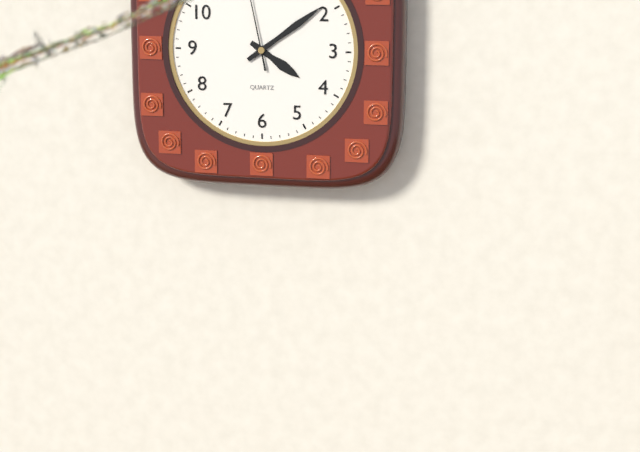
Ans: 4:09
